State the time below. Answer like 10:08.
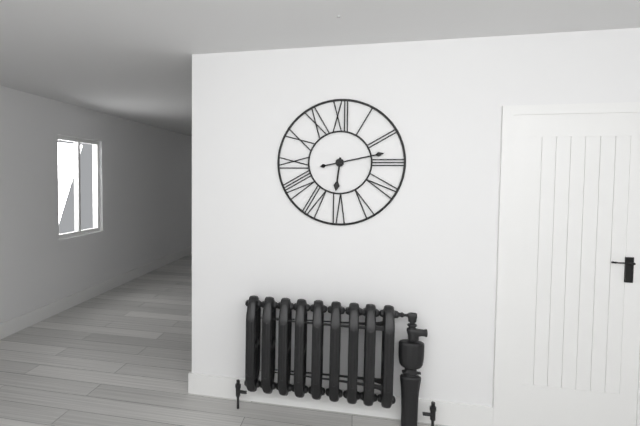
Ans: 6:13
